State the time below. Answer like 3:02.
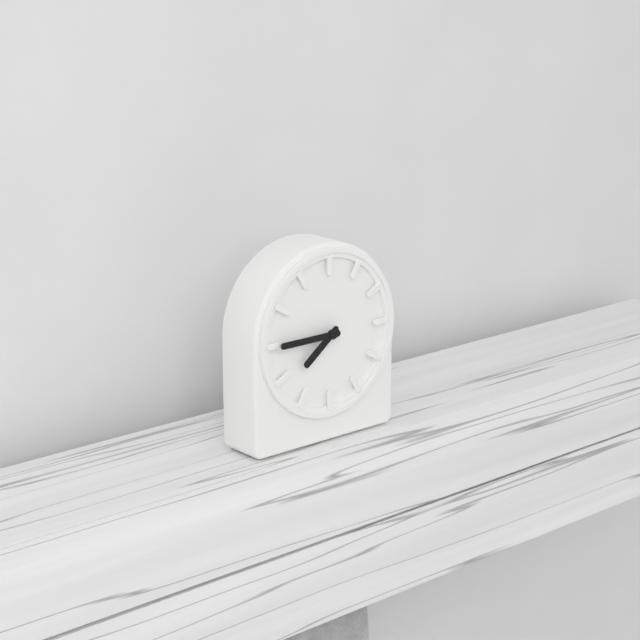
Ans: 7:45
